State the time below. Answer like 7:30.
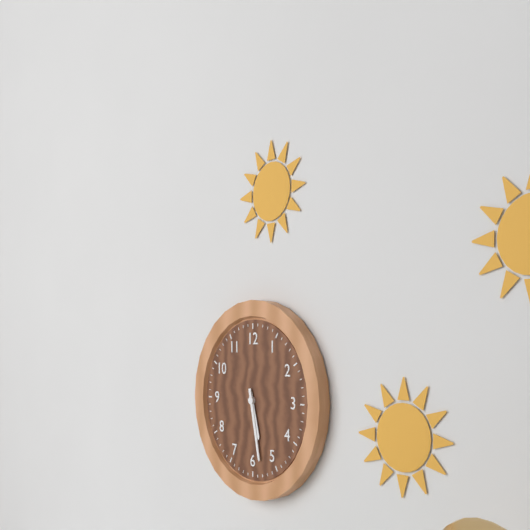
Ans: 5:28
